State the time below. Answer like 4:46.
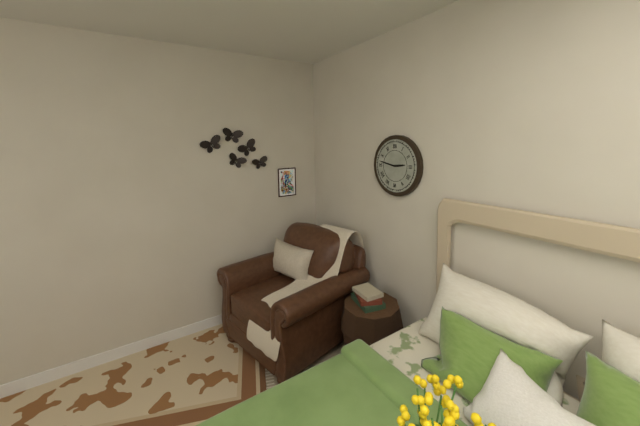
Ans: 2:47
